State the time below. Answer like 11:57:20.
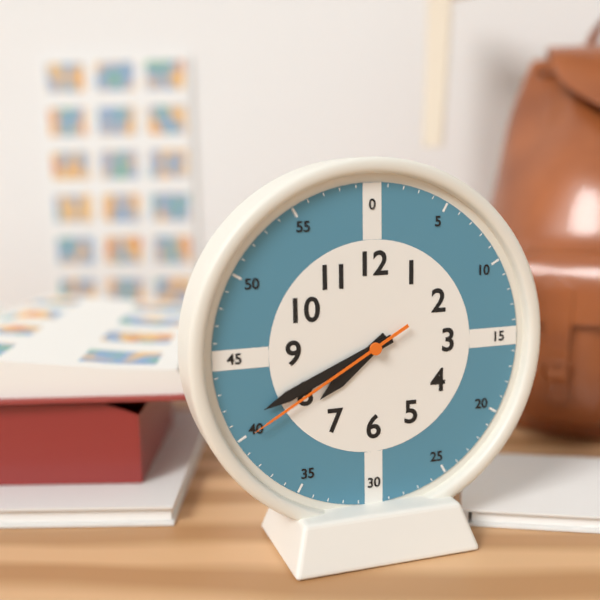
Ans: 7:41:40
